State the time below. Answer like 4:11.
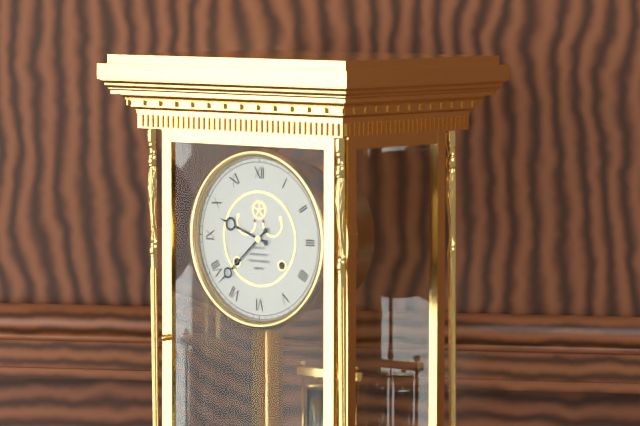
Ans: 9:38
